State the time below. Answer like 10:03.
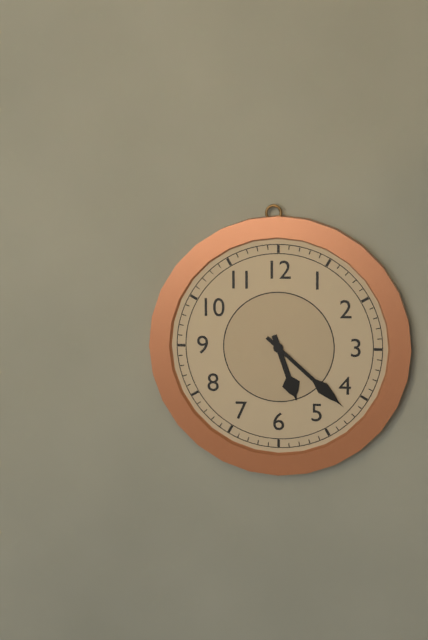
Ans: 5:22
